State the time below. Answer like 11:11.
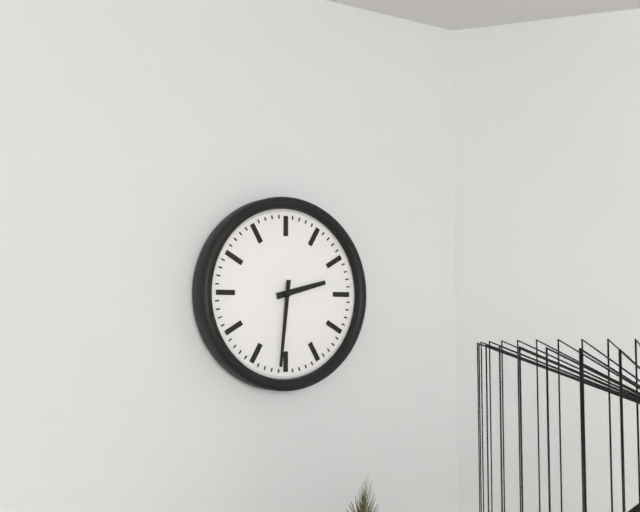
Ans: 2:31
